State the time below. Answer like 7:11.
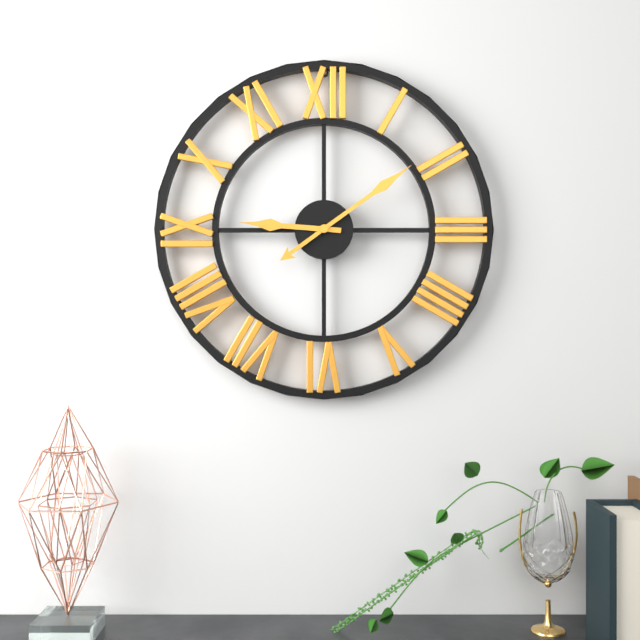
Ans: 9:09
